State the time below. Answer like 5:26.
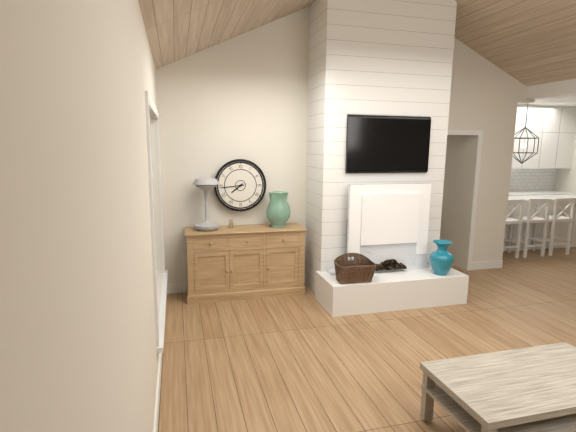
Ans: 7:44
